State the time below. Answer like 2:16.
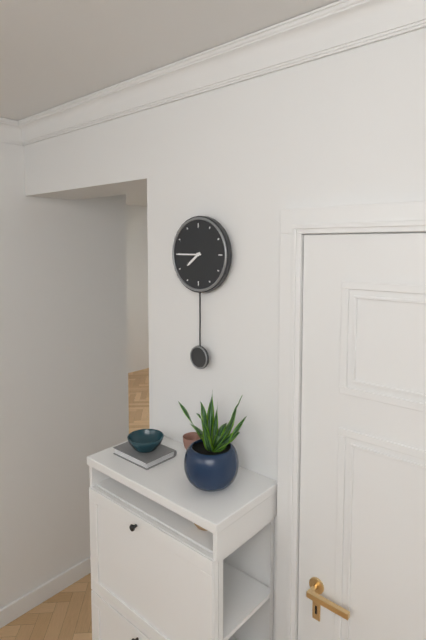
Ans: 7:45
